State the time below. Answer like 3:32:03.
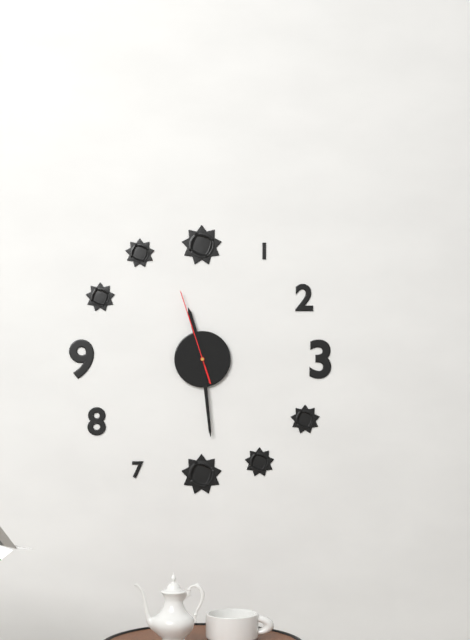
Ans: 11:29:57
